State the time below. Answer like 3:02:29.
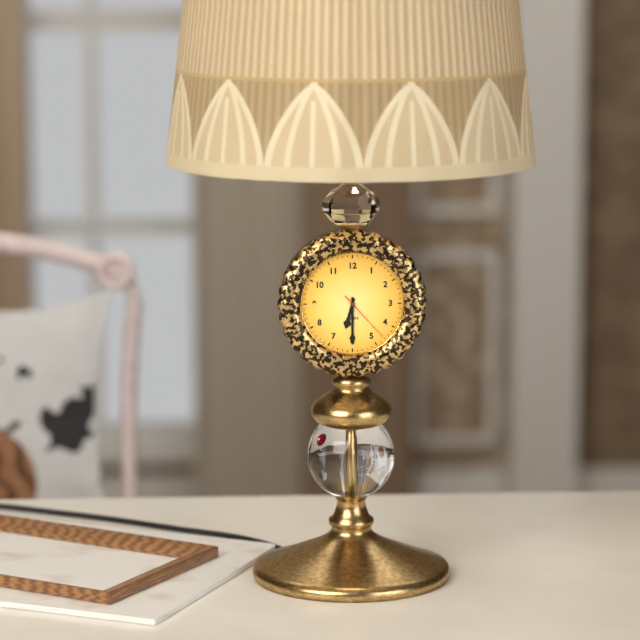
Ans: 6:30:23
